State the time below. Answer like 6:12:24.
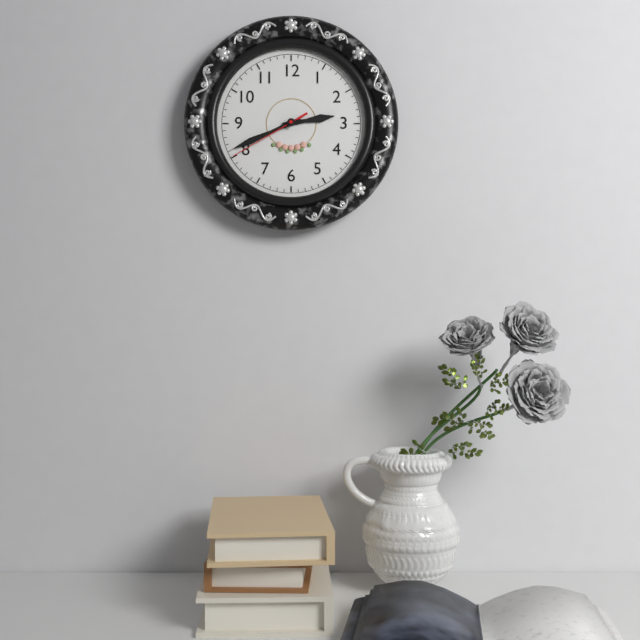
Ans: 2:41:40
